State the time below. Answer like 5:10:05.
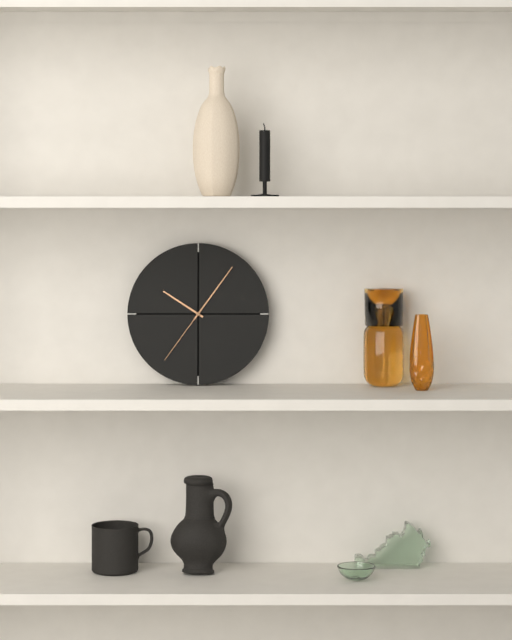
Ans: 10:06:36
